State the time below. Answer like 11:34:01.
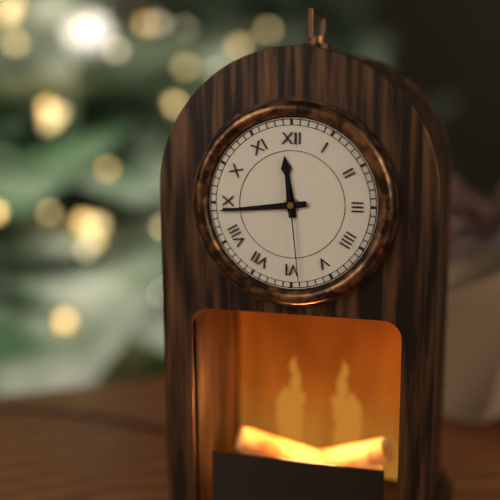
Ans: 11:44:29
